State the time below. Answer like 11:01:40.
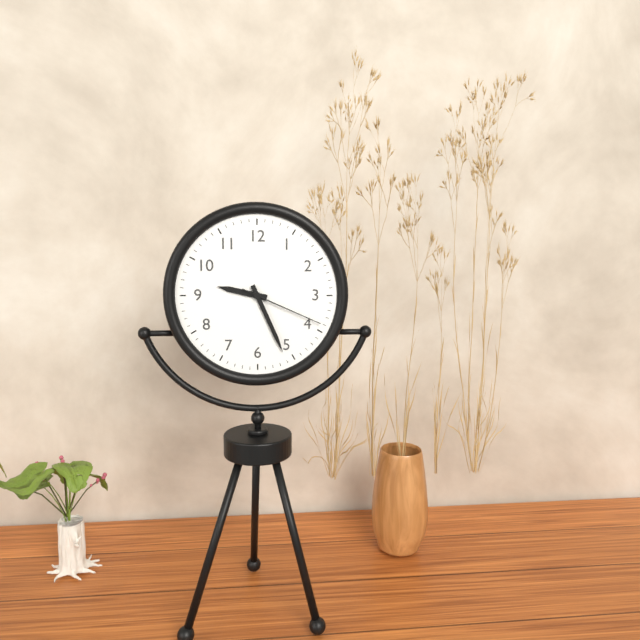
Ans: 9:26:19
